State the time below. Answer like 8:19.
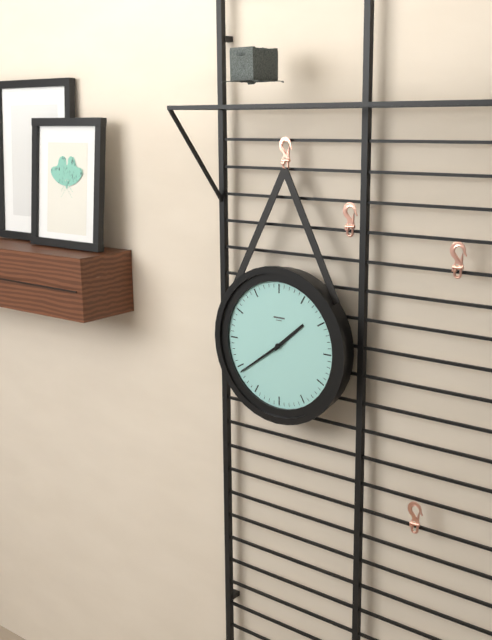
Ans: 1:39
